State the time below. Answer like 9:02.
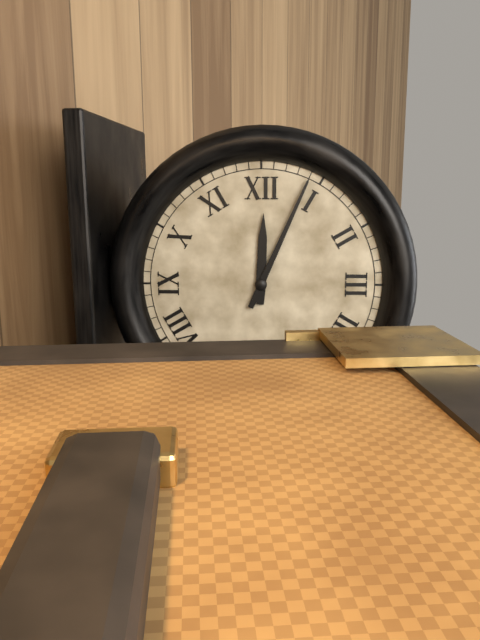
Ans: 12:04
